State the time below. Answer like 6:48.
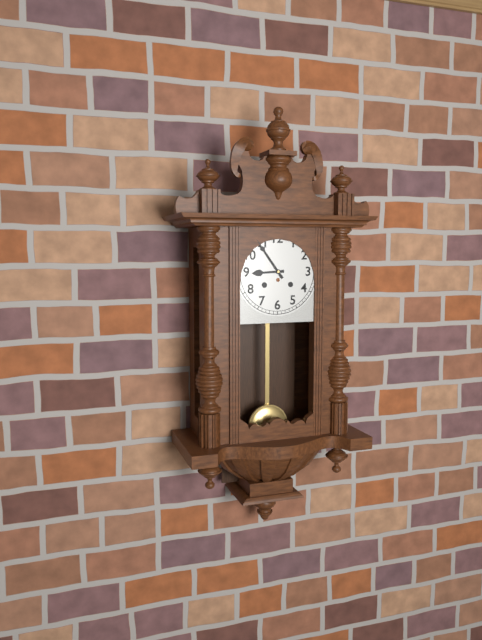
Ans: 8:54
